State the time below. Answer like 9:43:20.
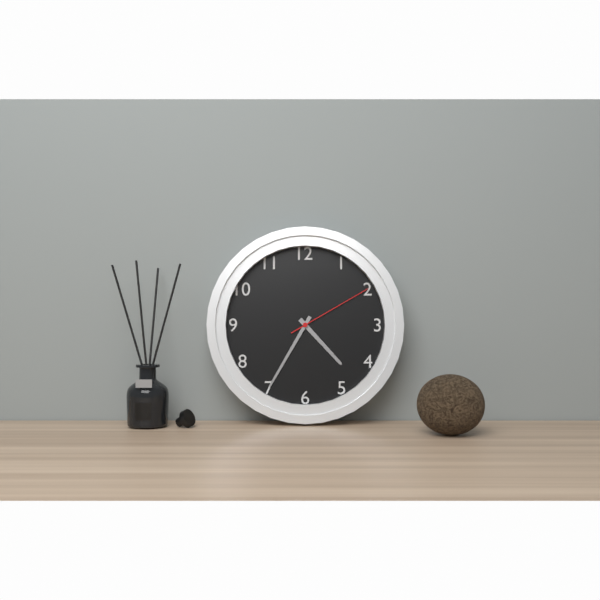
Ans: 4:35:10
